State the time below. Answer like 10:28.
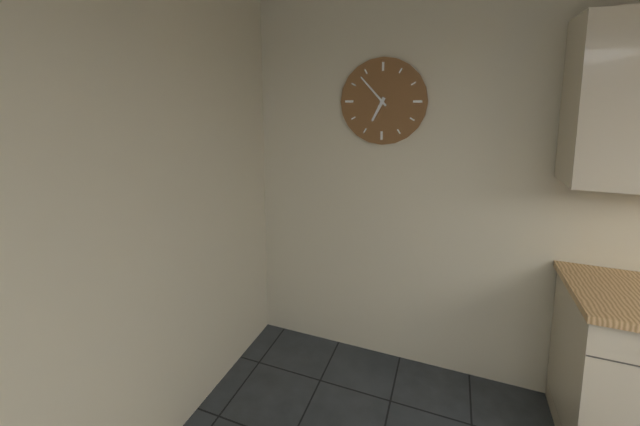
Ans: 6:53
